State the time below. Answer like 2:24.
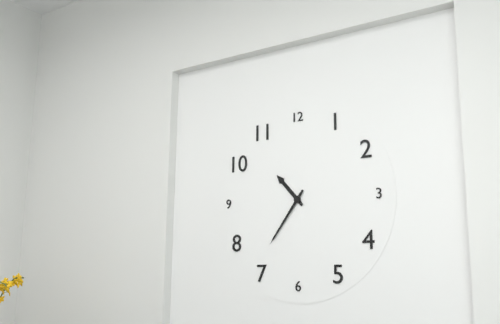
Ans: 10:36
